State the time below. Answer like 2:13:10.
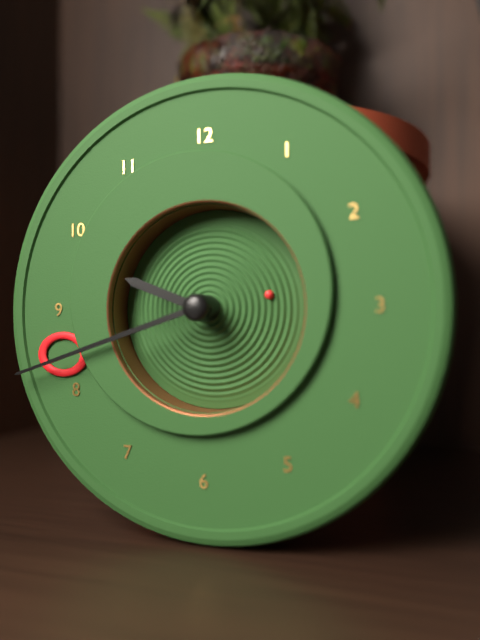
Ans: 9:42:13
